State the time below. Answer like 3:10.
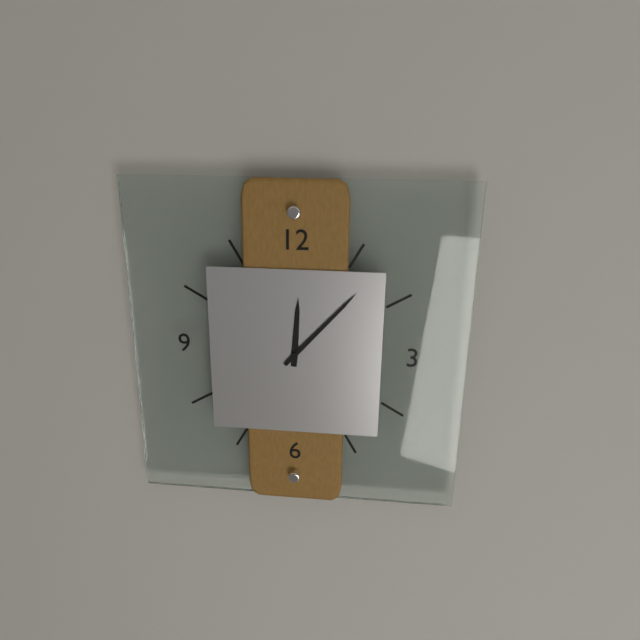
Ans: 12:07
